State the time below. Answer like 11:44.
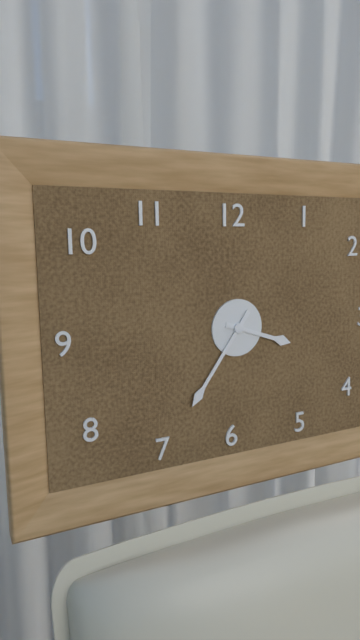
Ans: 3:36
